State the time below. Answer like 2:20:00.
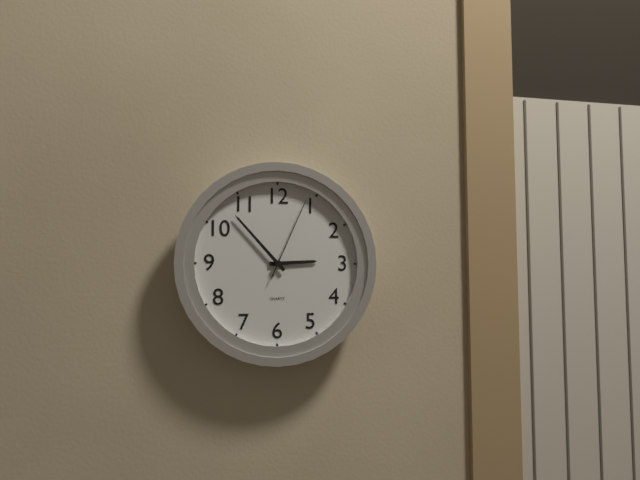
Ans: 2:53:04
